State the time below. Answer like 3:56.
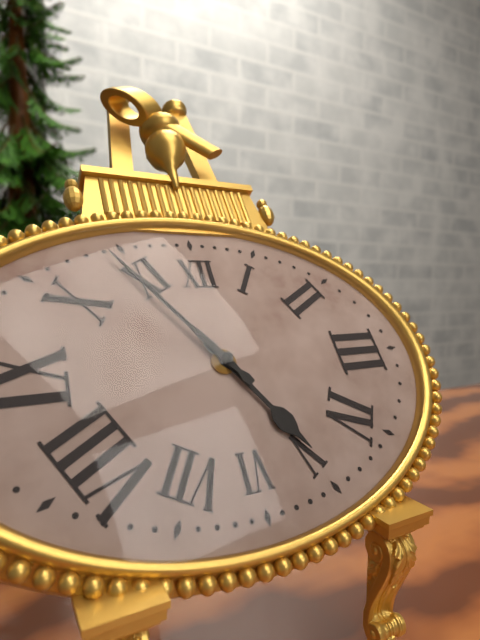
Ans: 4:54
